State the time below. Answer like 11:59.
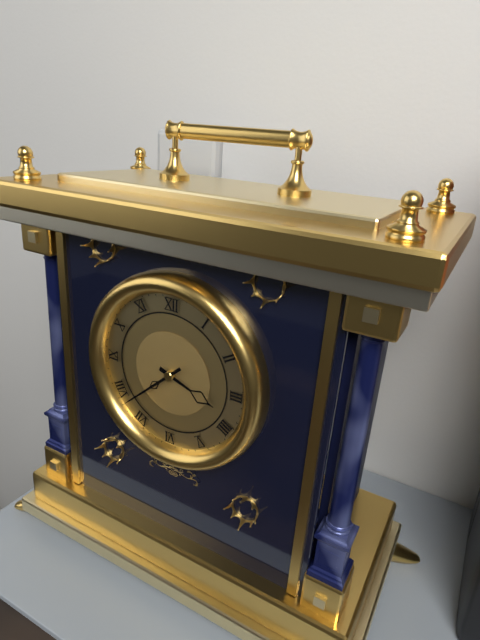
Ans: 3:38
